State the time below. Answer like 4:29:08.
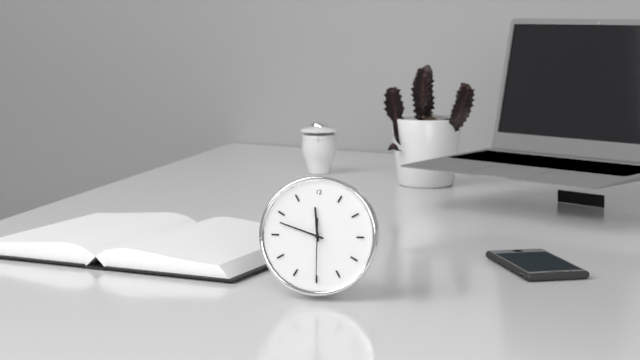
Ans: 11:48:30
